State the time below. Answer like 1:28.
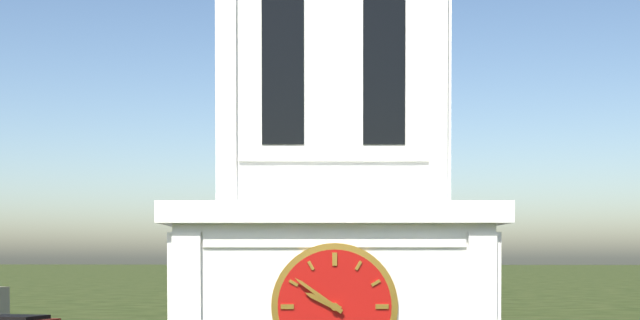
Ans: 9:51
